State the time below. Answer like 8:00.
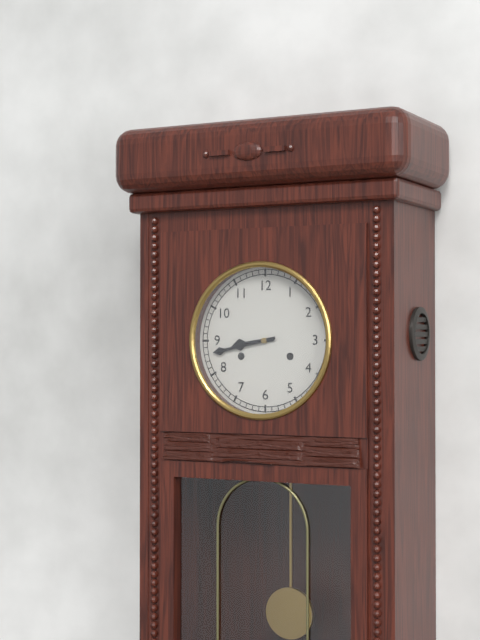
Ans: 8:43
